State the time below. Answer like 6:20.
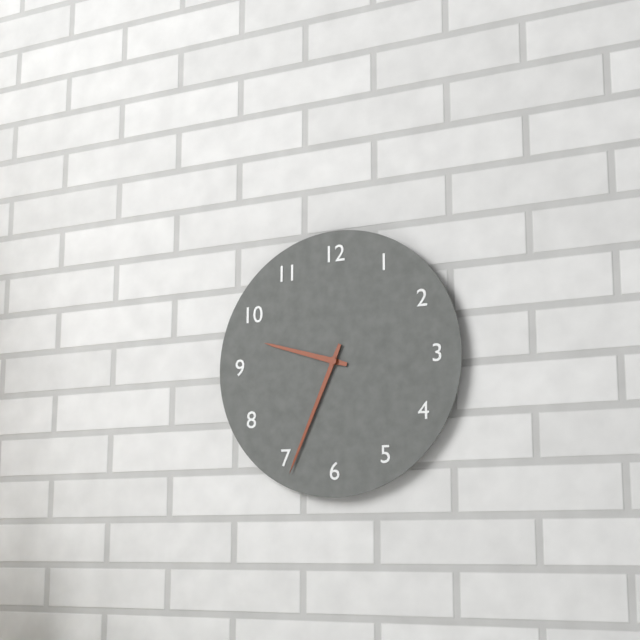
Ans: 9:34
